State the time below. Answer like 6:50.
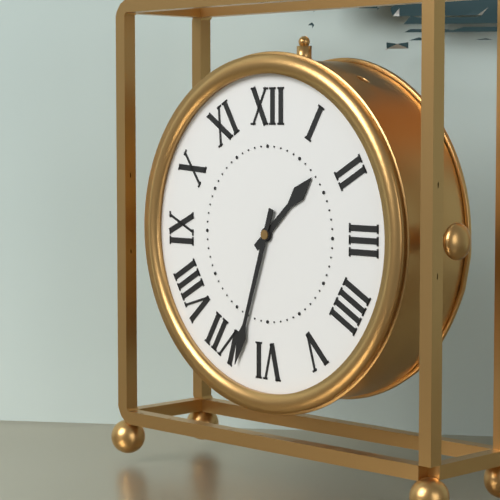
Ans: 1:33
